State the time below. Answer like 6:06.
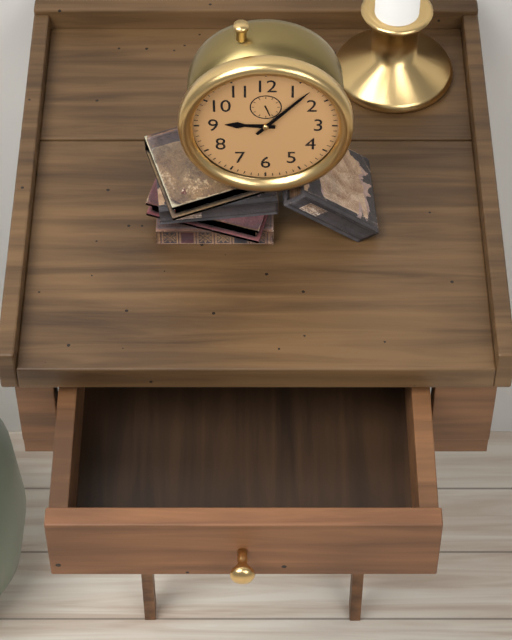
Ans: 9:07
